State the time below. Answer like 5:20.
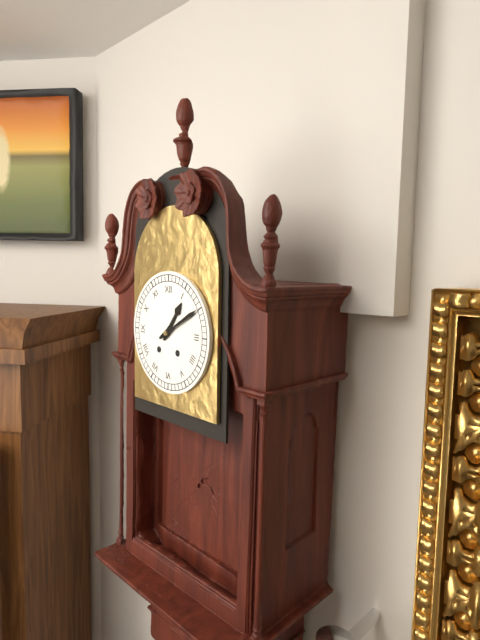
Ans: 1:10
